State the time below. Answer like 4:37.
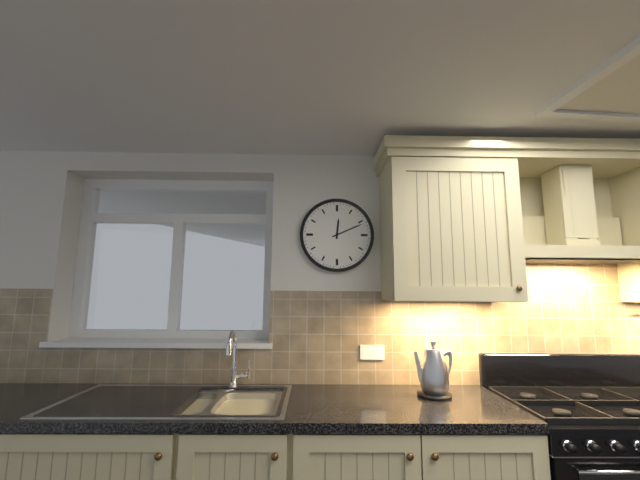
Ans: 12:11
